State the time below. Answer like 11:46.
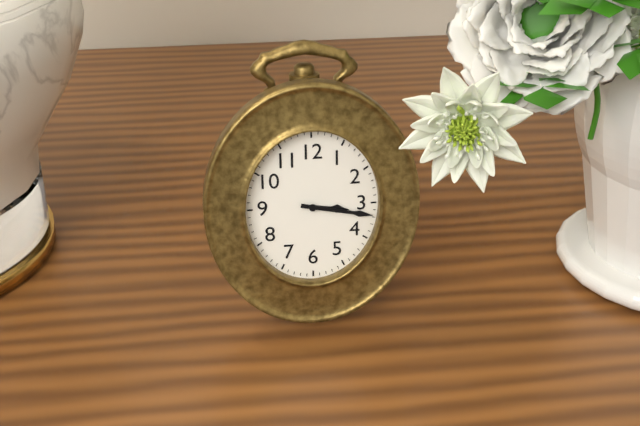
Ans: 3:17
